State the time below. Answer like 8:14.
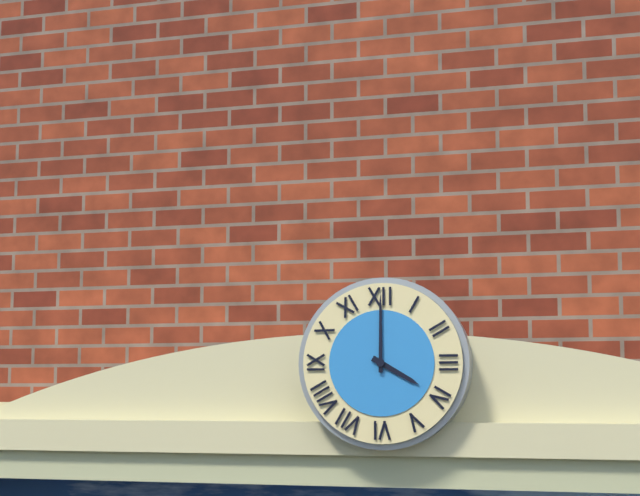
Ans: 4:00
